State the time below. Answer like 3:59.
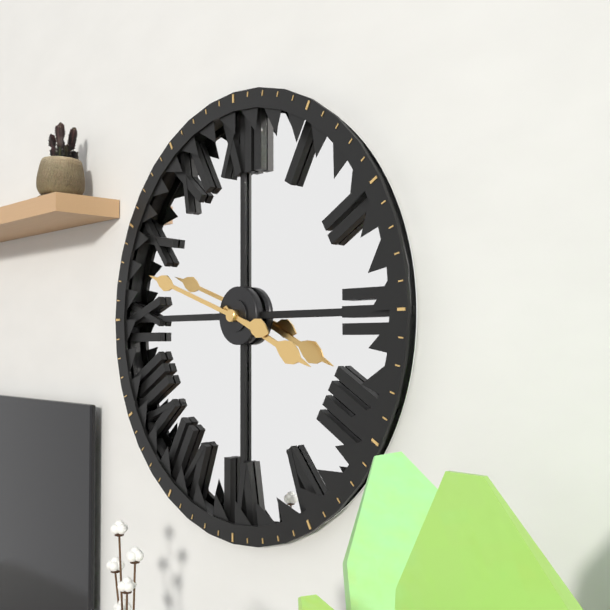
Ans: 3:48
